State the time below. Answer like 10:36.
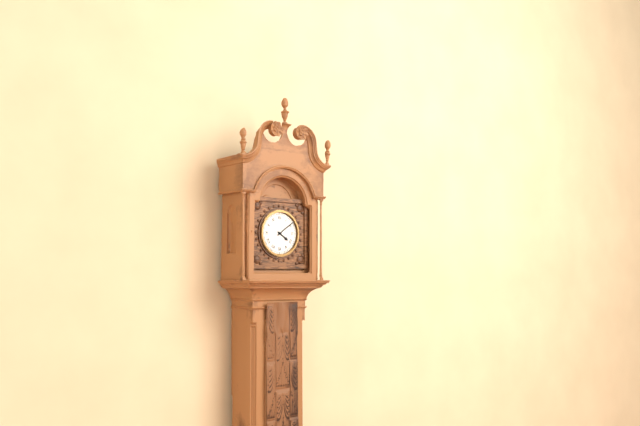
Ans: 4:09
